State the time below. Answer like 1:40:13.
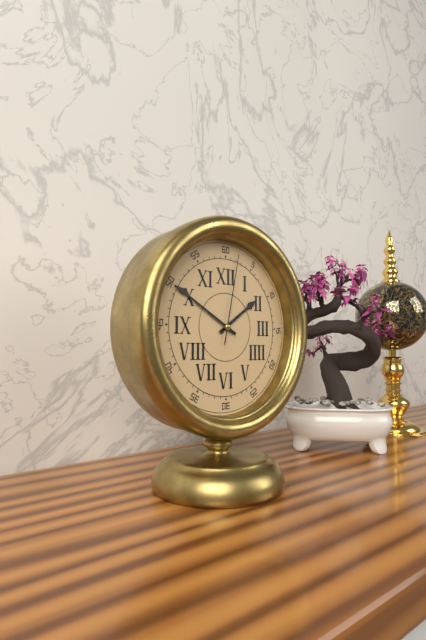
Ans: 1:50:02
